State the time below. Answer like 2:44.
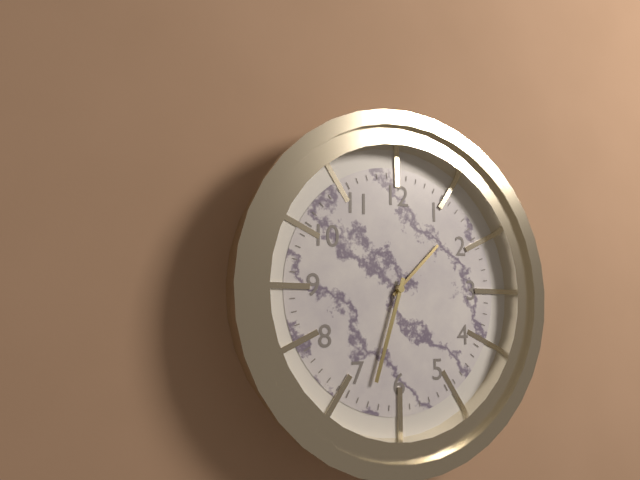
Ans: 1:33
